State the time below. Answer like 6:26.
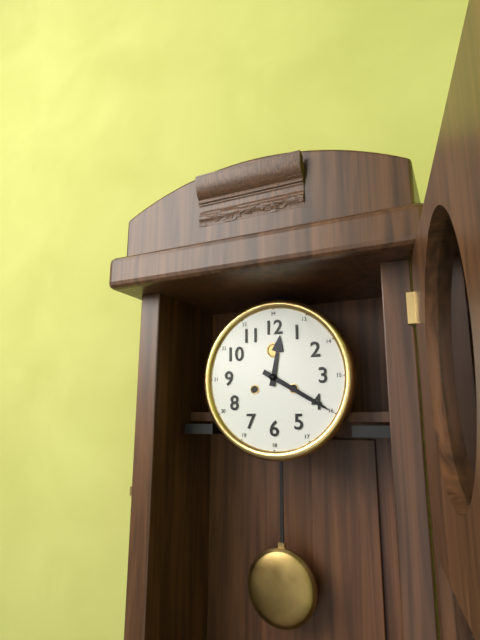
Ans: 12:20
